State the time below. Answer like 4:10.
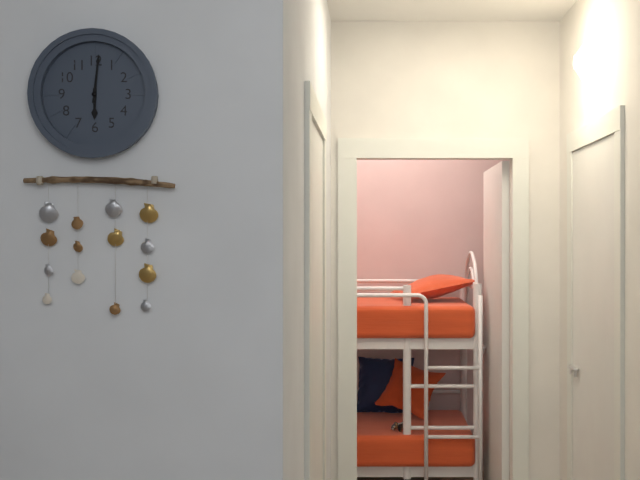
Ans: 6:01
